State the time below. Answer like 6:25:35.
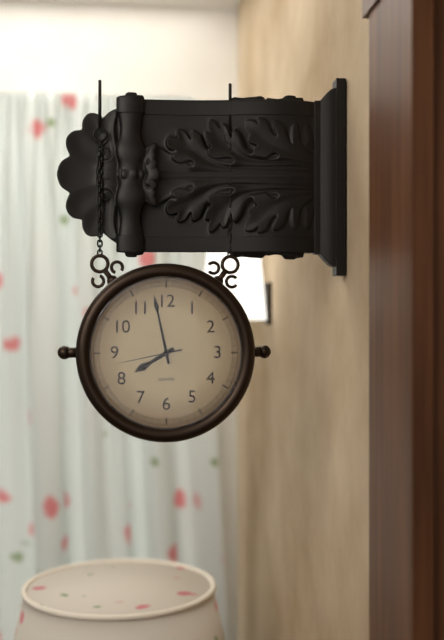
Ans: 7:58:43
